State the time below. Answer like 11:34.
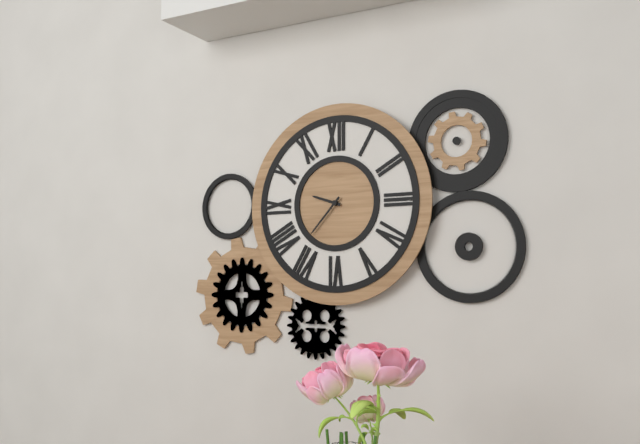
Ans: 9:37
